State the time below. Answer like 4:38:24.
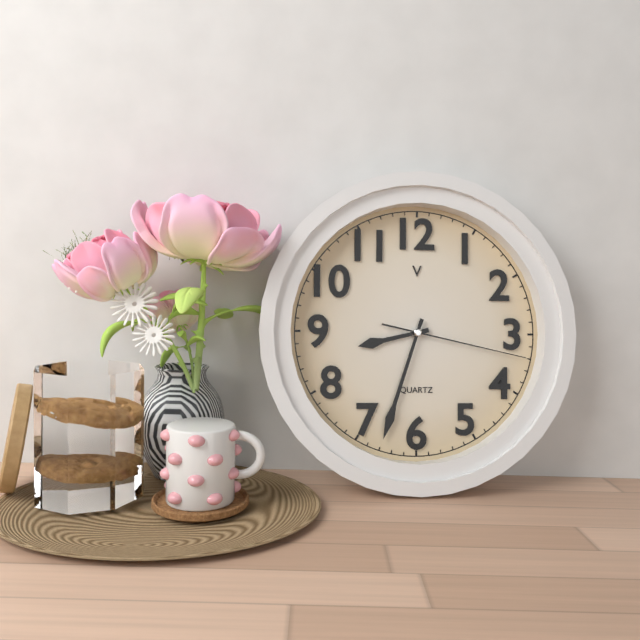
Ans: 8:33:17
